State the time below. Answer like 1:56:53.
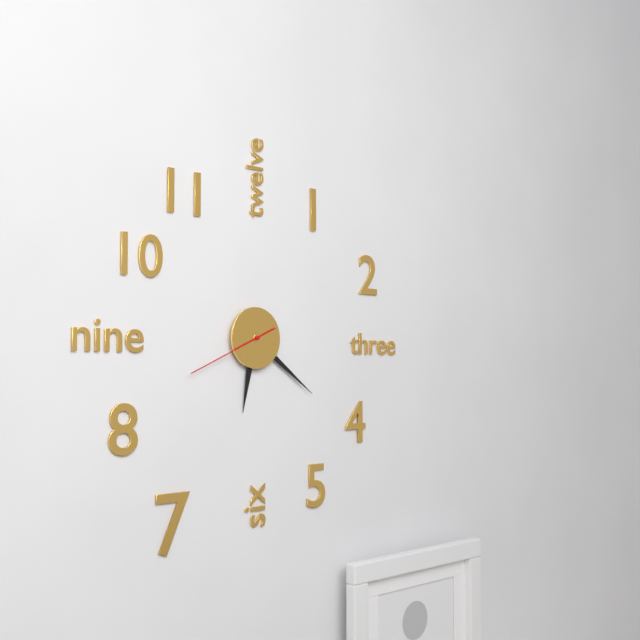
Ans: 6:21:41
